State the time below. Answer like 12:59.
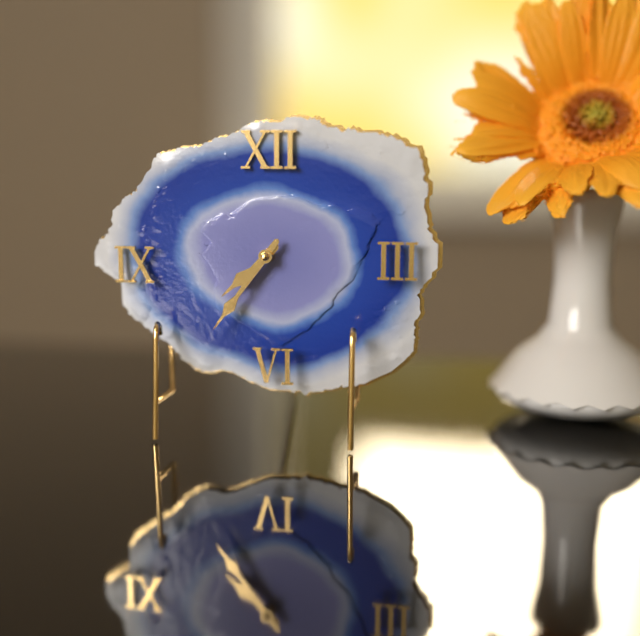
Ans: 7:36
